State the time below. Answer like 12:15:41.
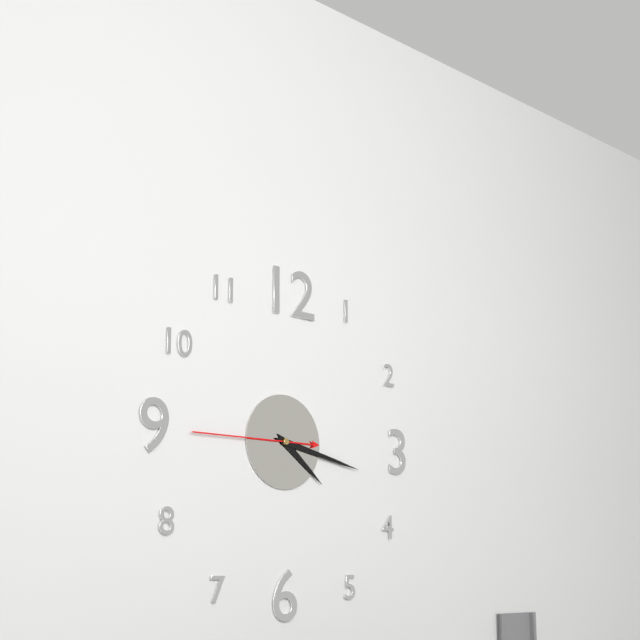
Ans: 4:17:45
